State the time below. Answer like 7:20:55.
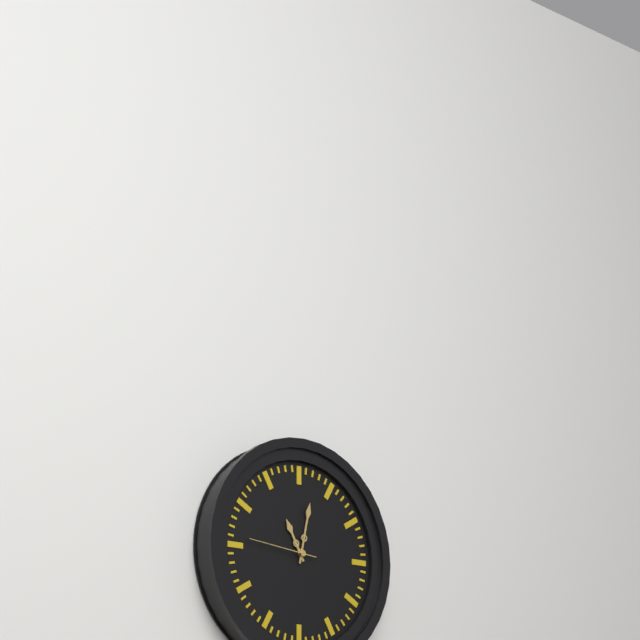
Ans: 11:02:46
